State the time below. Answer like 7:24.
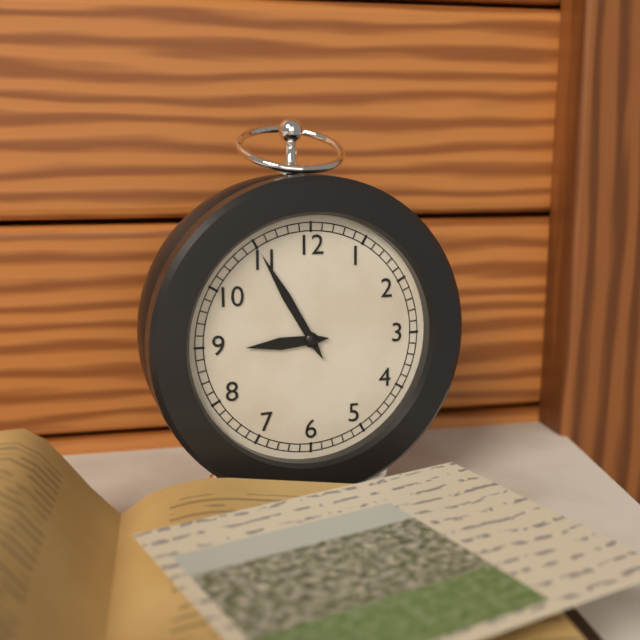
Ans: 8:55
